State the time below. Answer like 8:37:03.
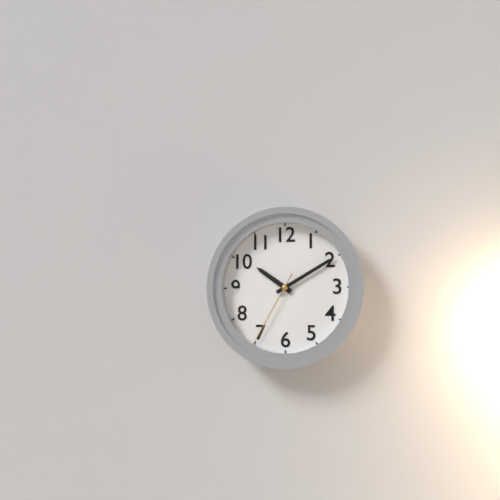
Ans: 10:10:35
